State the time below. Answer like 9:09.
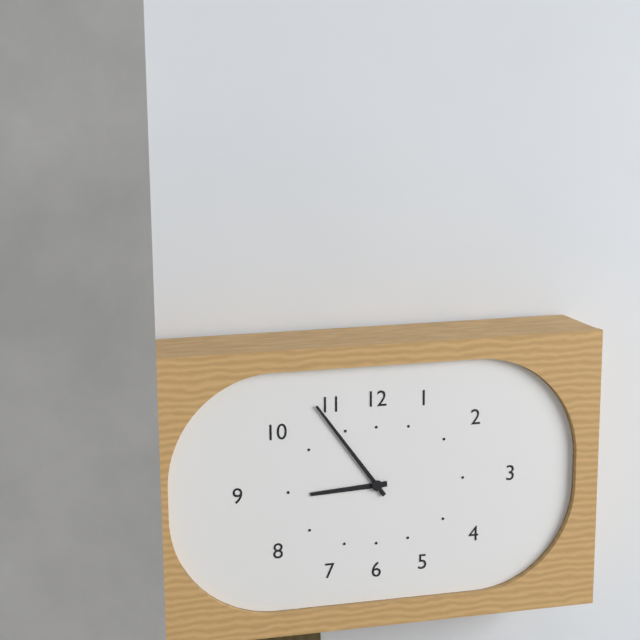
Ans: 8:54
